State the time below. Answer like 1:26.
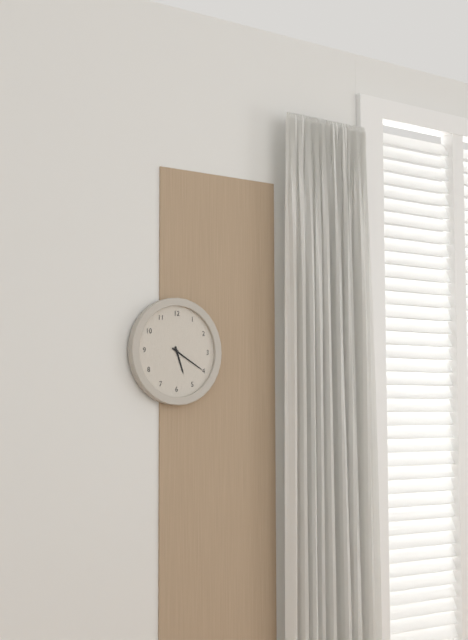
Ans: 5:20
